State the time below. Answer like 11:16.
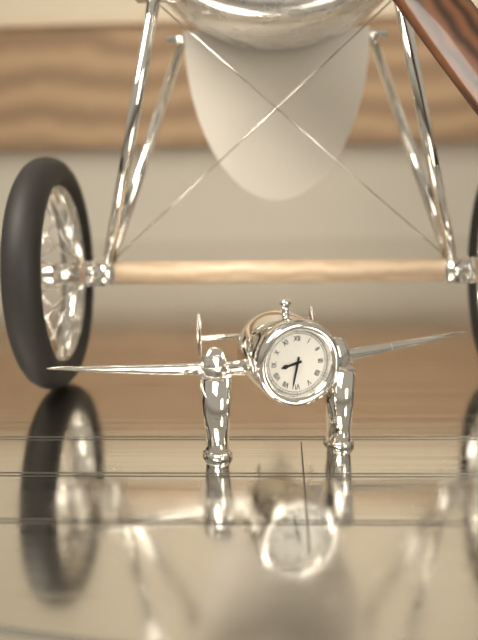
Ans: 8:32
